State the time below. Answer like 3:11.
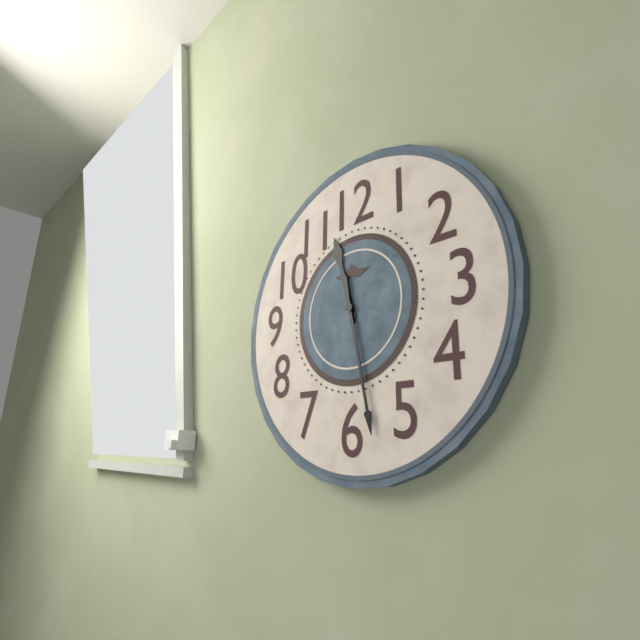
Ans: 11:28
